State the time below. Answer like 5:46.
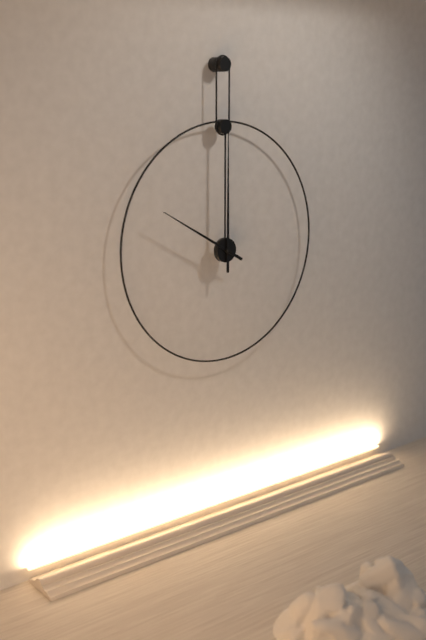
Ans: 10:00
